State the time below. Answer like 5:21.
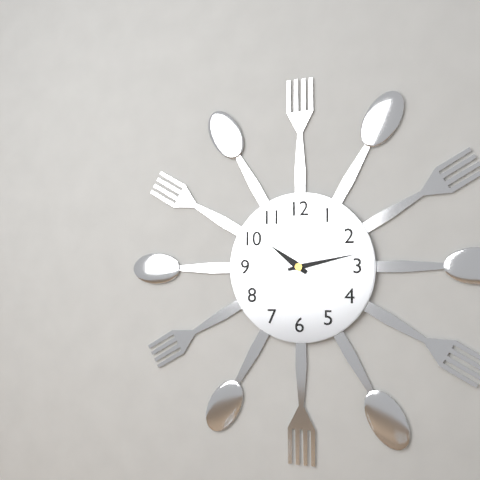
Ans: 10:13
